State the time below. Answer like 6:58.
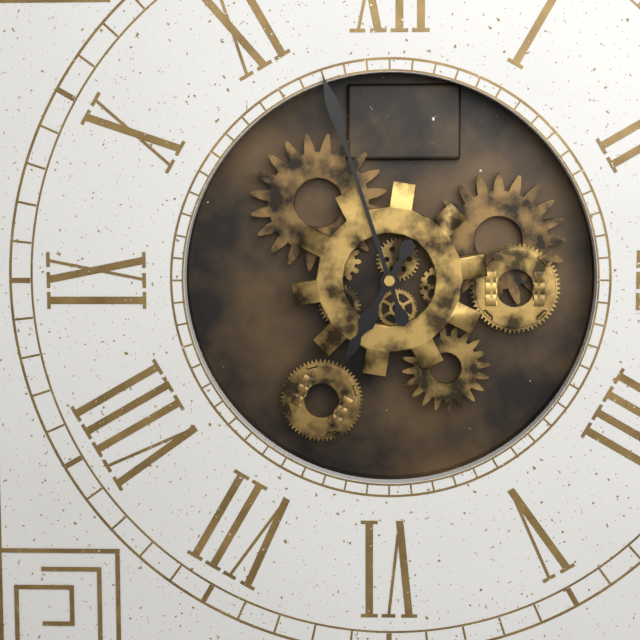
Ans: 6:57
